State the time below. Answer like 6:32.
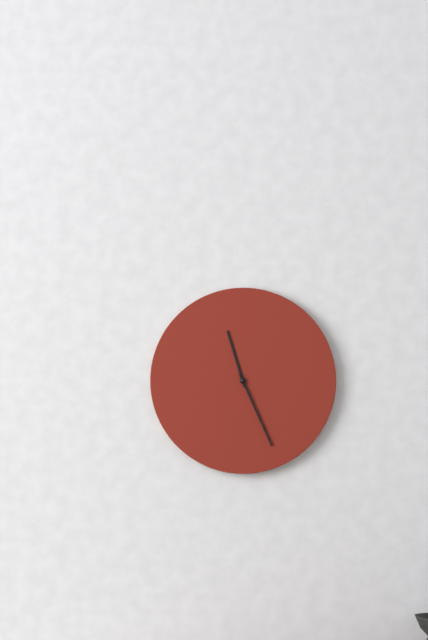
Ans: 11:26
